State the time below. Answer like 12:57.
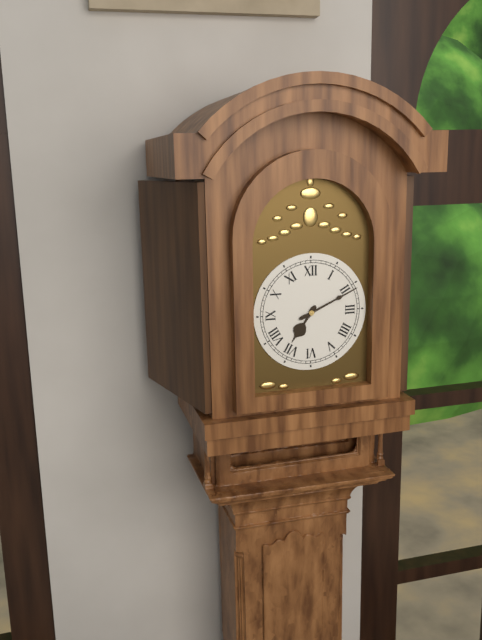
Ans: 7:11
